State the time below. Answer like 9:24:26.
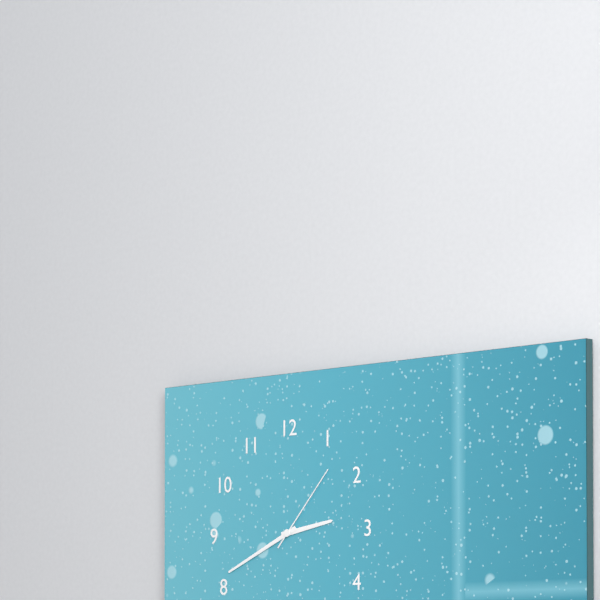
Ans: 2:41:07
